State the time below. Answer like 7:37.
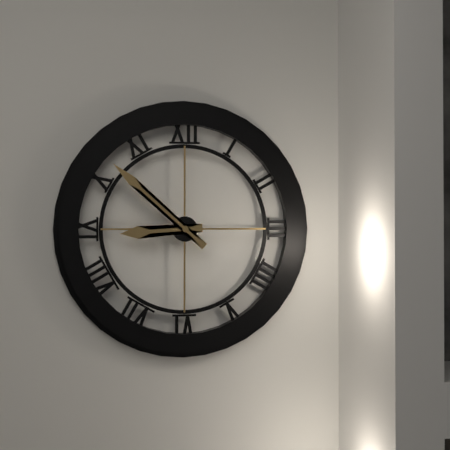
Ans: 8:52
